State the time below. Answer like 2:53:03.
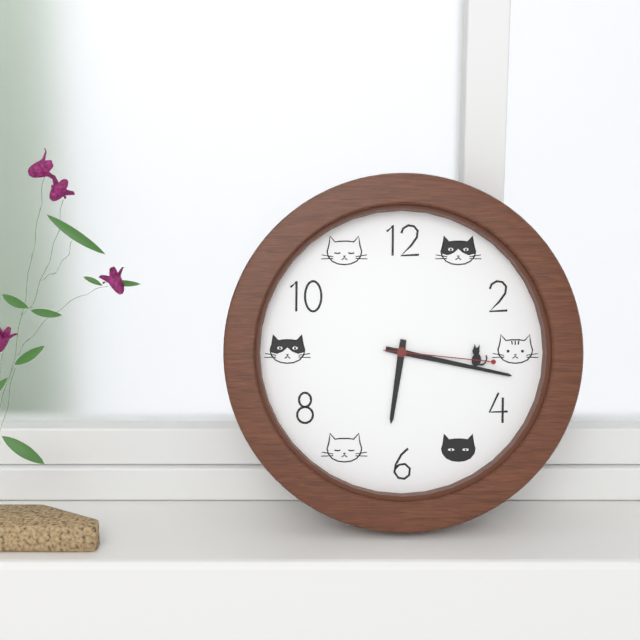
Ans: 6:17:16
